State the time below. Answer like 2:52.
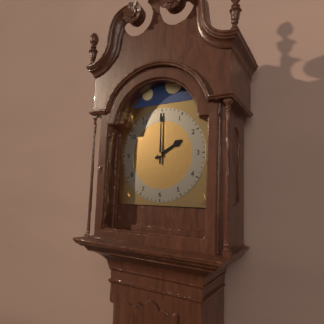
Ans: 2:00
